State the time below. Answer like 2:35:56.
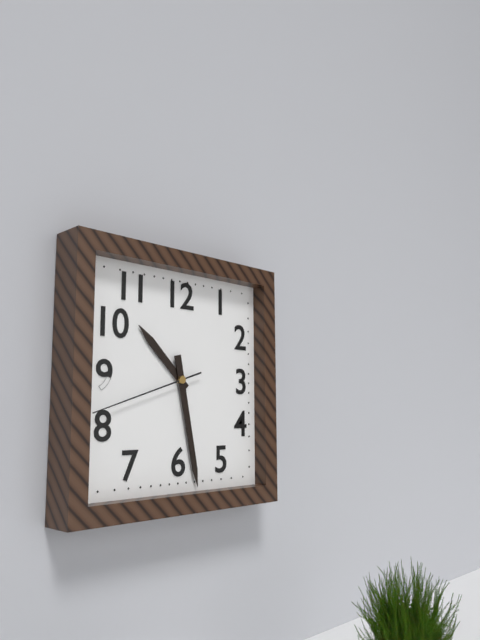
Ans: 10:28:42
